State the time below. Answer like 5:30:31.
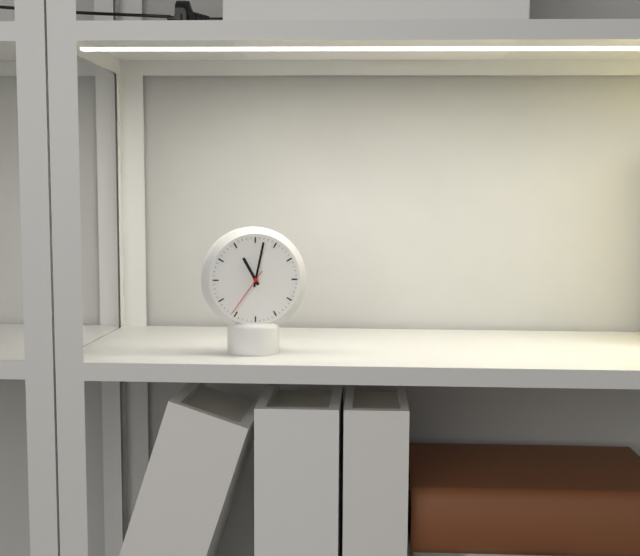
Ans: 11:02:36
